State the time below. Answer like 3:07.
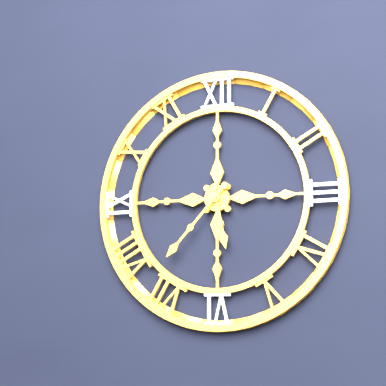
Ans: 5:37
